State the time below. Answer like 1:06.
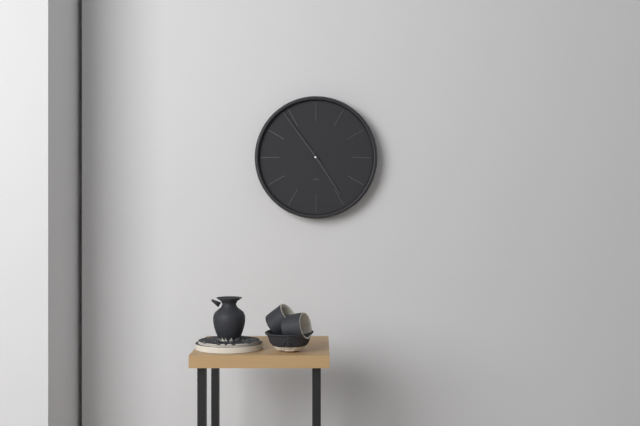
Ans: 4:54
